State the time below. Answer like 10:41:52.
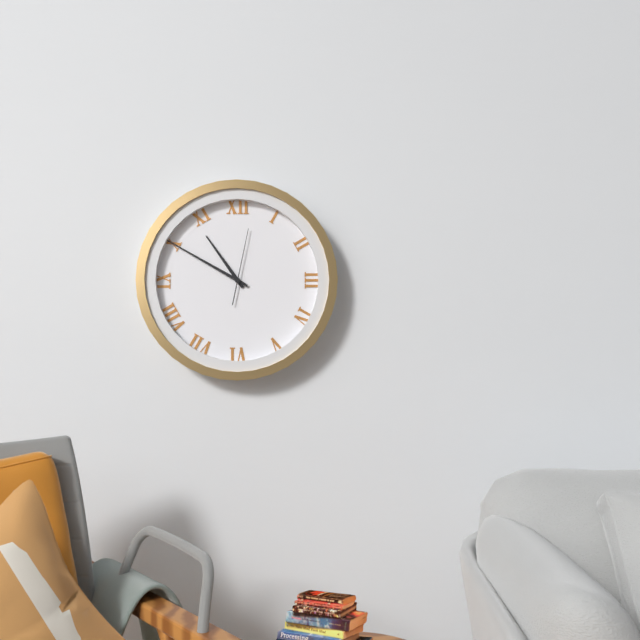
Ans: 10:50:02
